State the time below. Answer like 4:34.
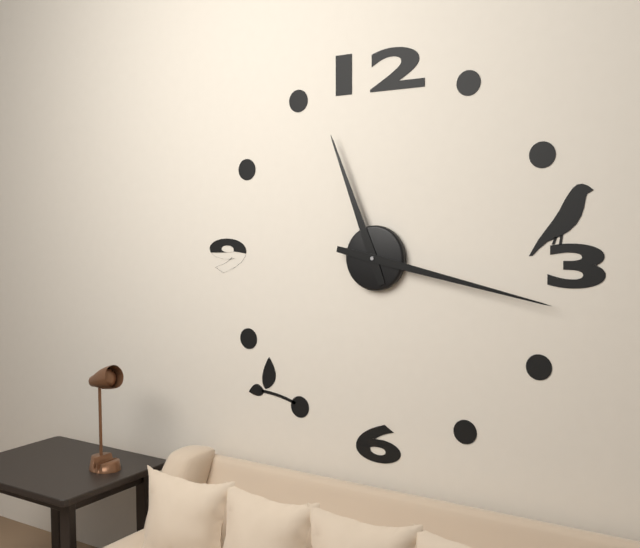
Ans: 11:17
